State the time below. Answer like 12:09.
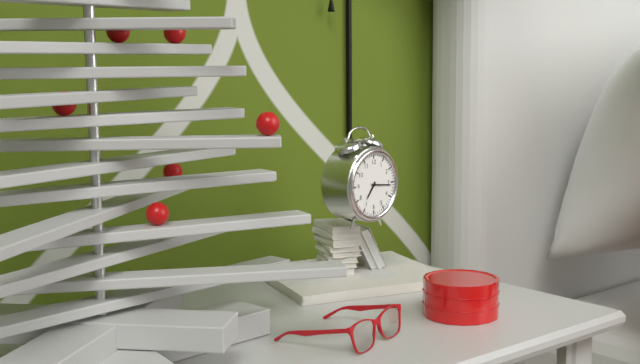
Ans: 7:16
